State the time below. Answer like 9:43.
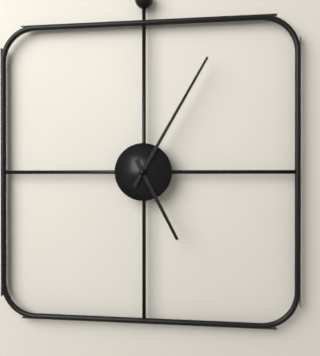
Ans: 5:05
